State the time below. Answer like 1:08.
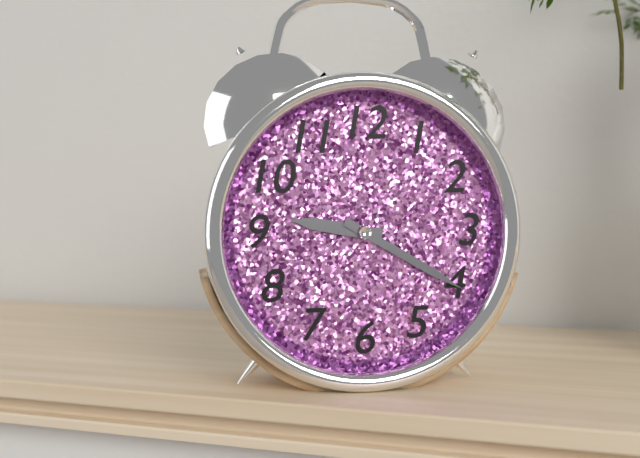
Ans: 9:20
